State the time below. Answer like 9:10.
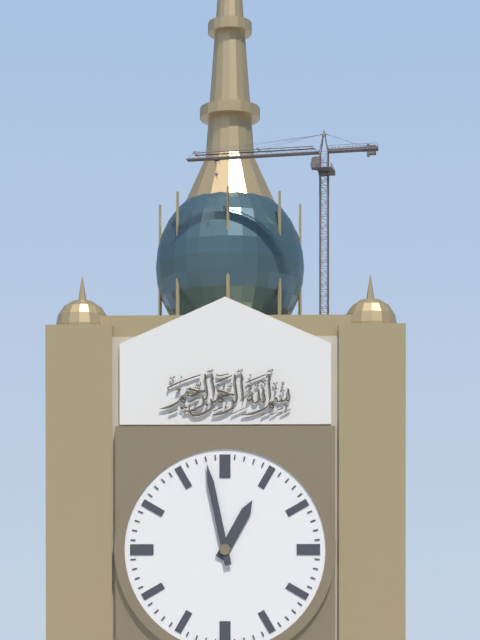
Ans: 12:58
